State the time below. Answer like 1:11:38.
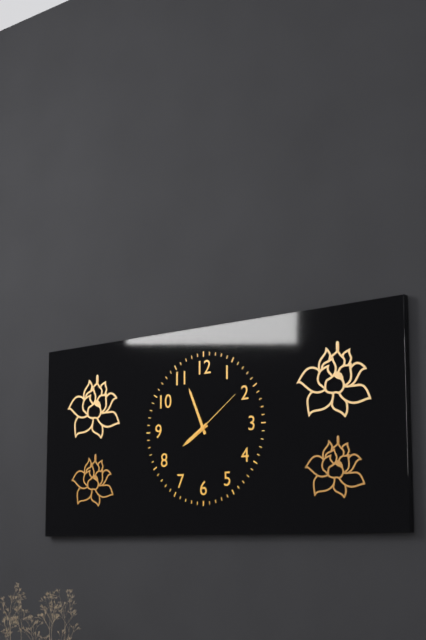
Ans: 7:56:09
